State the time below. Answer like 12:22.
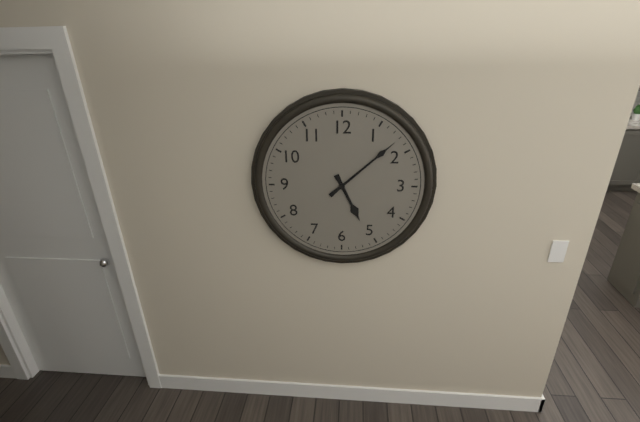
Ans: 5:08
